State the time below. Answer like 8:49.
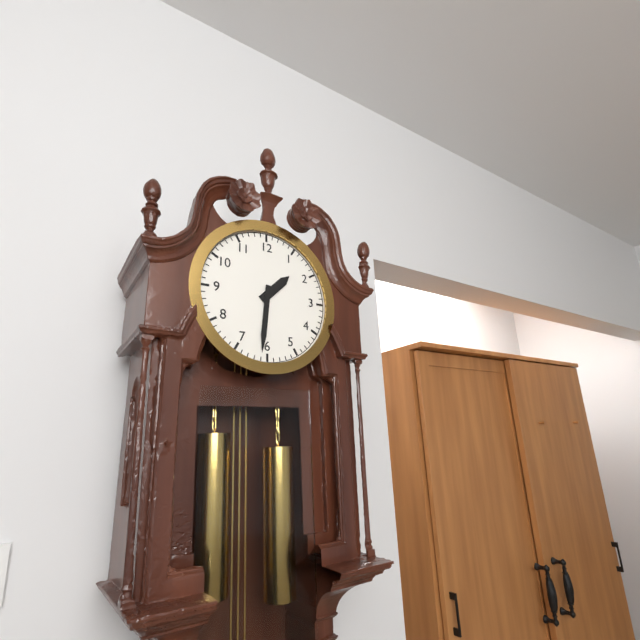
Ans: 1:31
